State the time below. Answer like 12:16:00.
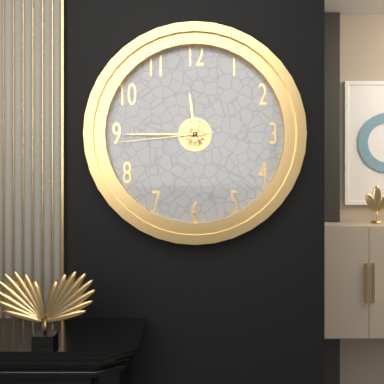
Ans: 11:45:44
